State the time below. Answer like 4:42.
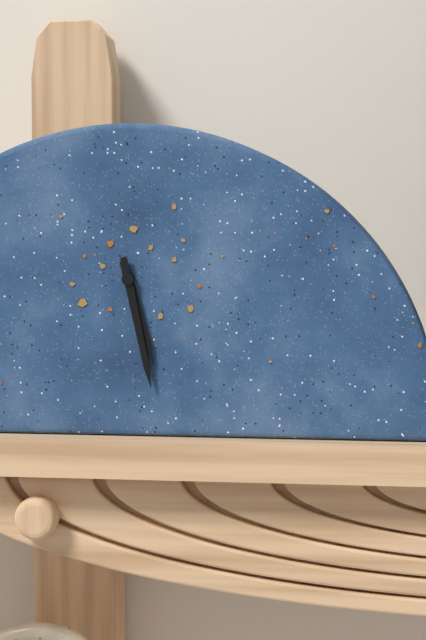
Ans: 5:28
